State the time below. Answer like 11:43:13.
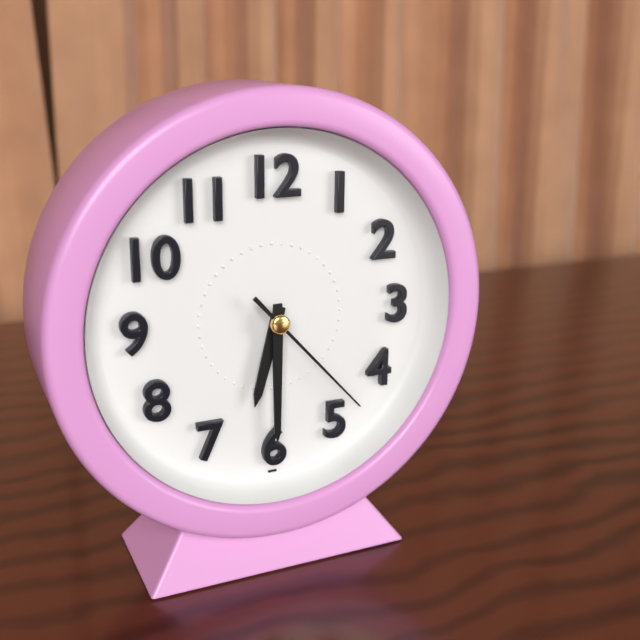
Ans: 6:30:23
